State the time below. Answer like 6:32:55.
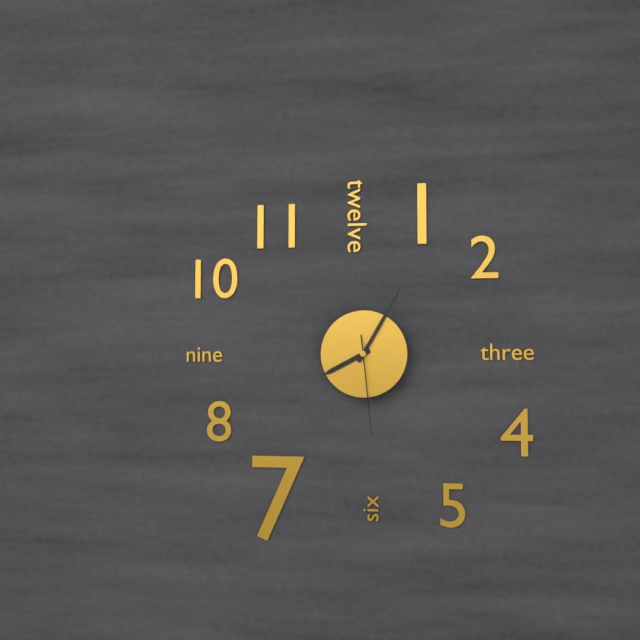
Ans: 8:05:29
